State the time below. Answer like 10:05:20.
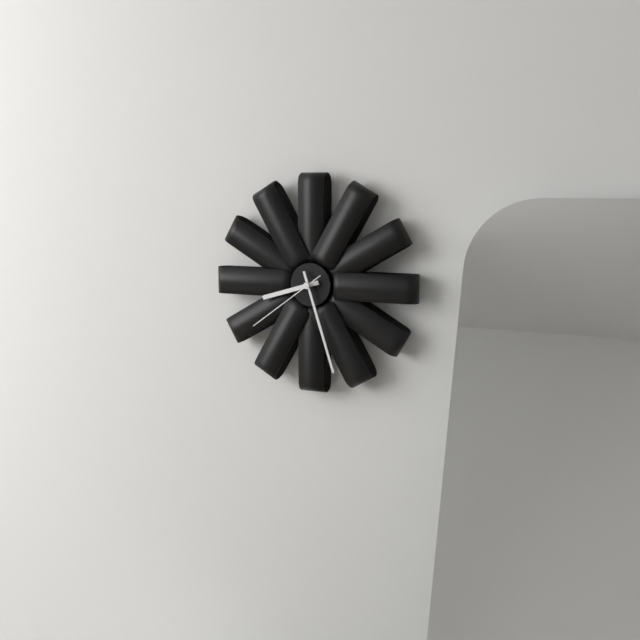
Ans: 8:27:39
